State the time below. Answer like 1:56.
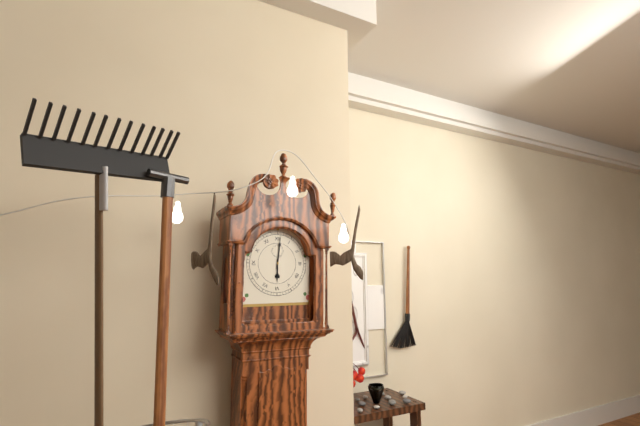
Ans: 6:01
